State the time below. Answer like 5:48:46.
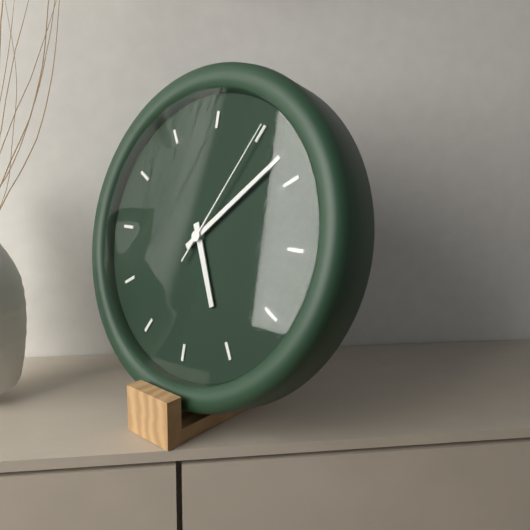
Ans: 5:08:05
